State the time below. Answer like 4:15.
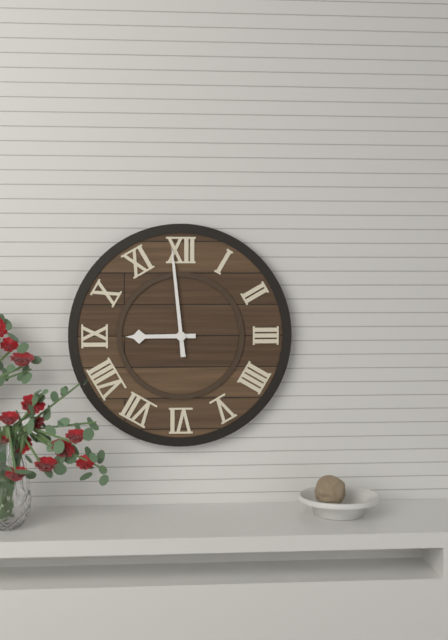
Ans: 8:59
